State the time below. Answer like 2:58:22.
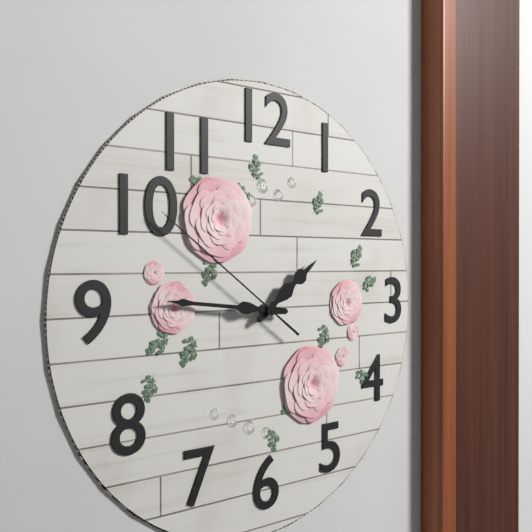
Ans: 1:46:51
